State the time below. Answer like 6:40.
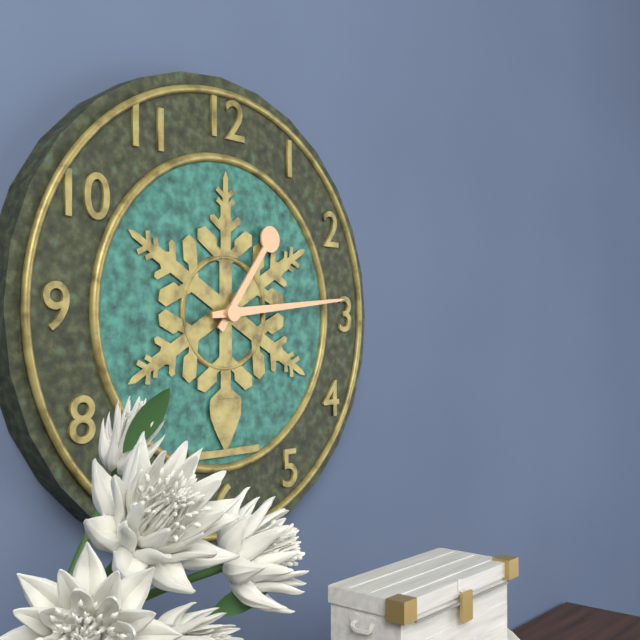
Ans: 1:14
